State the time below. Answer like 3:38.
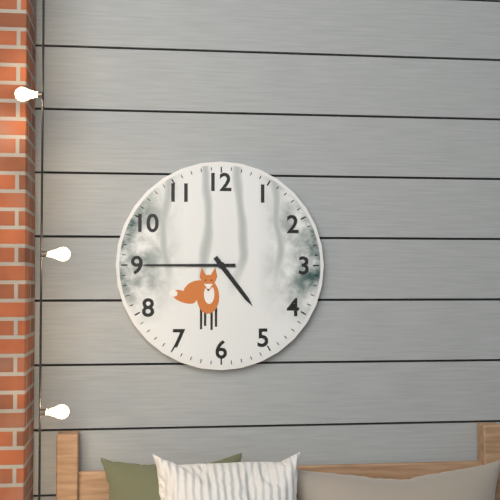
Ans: 4:45
